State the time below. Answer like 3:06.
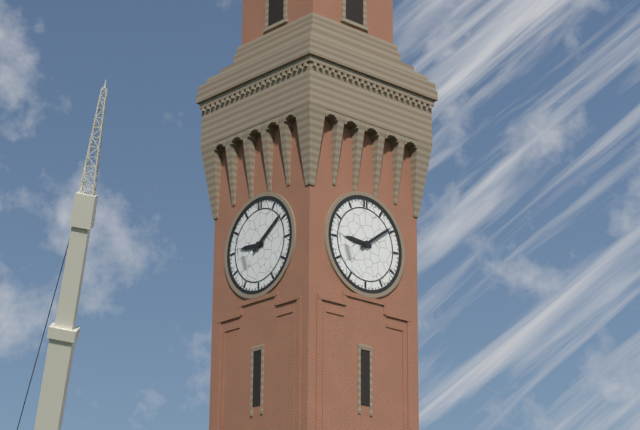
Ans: 9:09
